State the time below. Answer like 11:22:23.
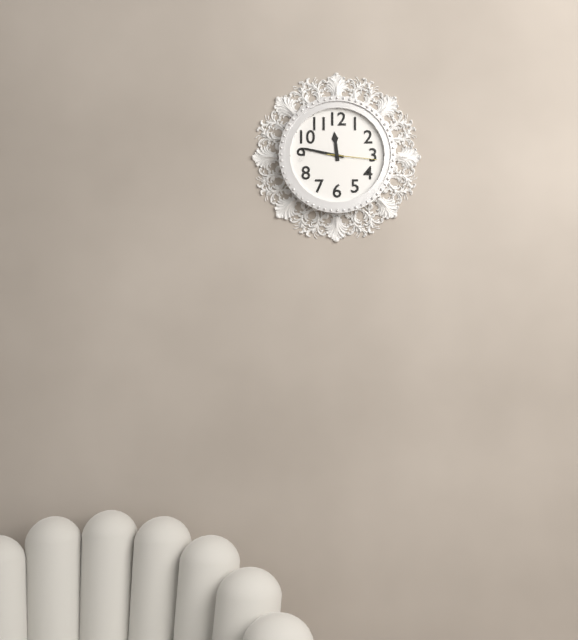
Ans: 11:47:16
